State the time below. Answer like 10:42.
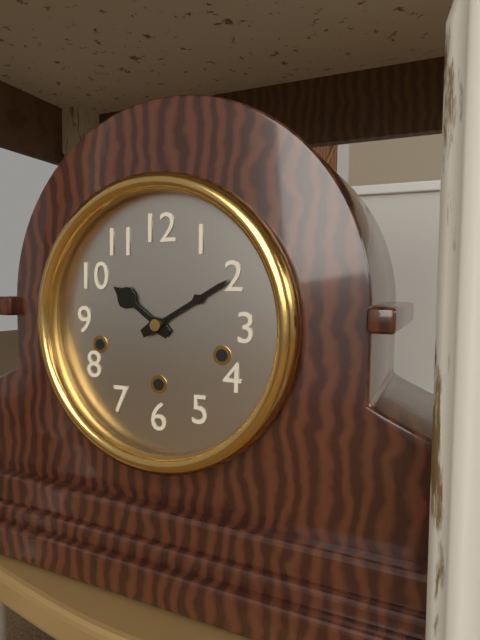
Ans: 10:10
